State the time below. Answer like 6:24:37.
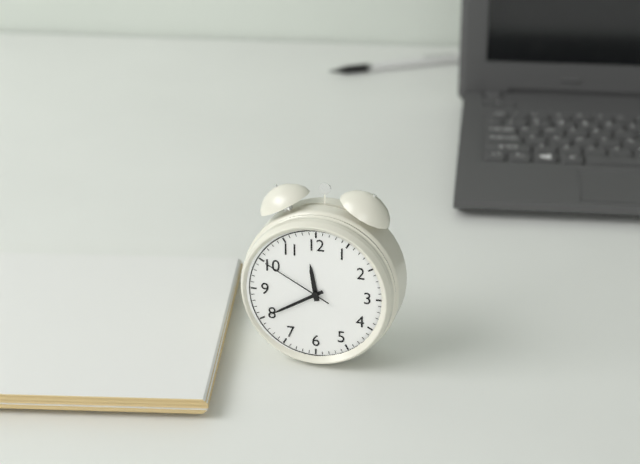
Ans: 11:40:50
